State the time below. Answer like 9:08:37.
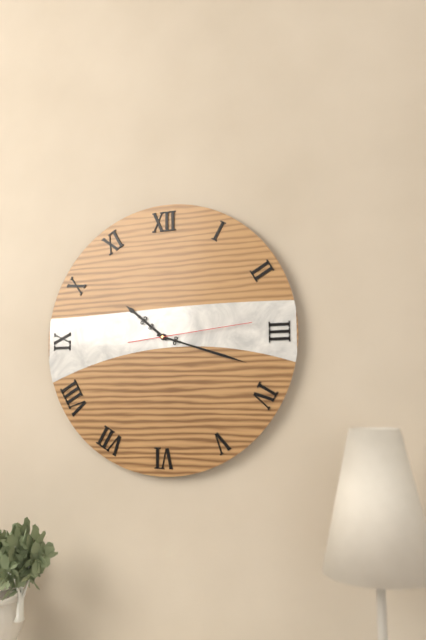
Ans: 10:18:14
